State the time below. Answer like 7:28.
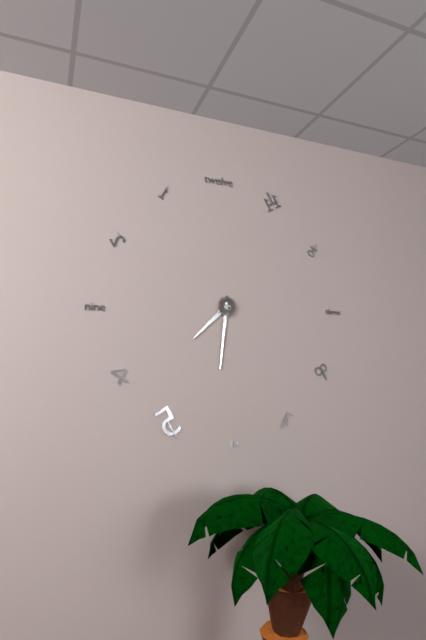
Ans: 7:31
